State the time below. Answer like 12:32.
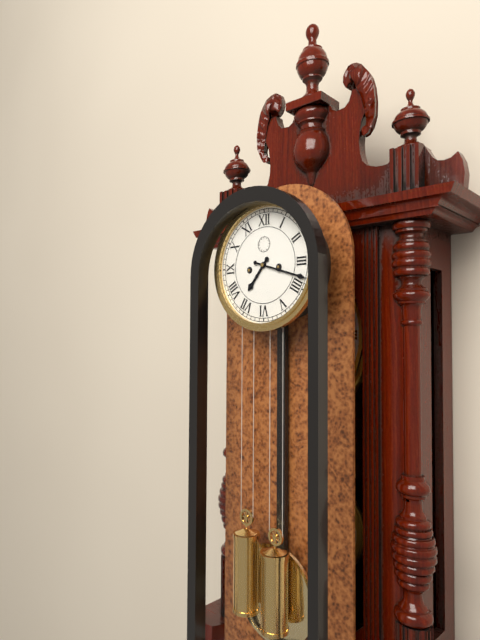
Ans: 7:18
